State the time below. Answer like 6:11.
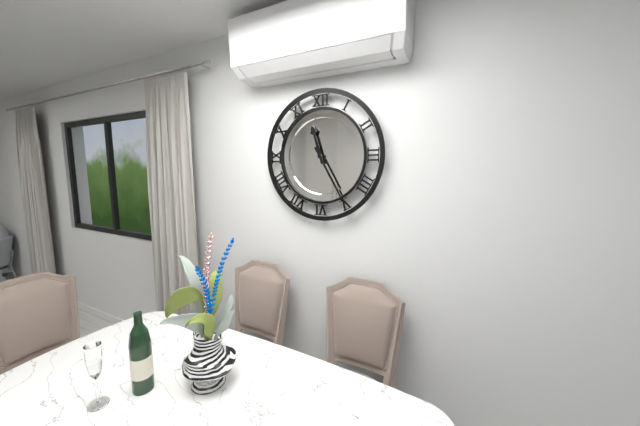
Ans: 11:25
